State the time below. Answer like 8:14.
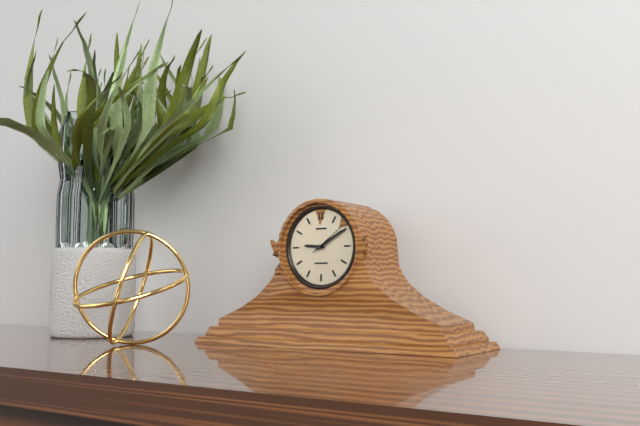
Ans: 9:10
